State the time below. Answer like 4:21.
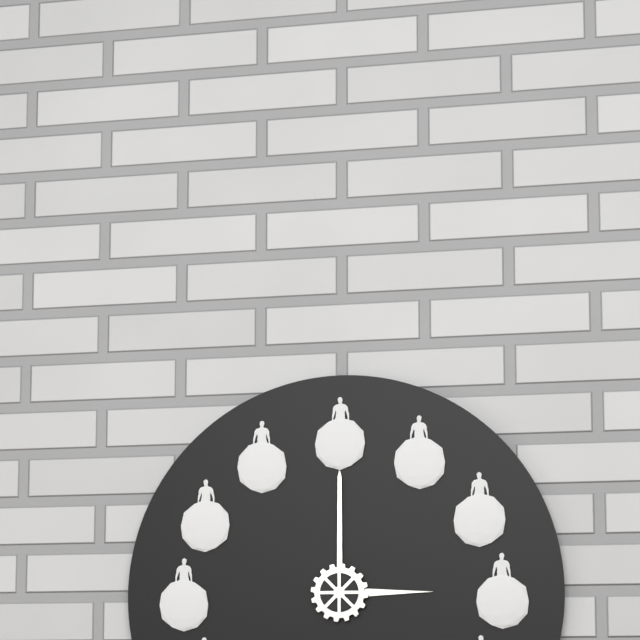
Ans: 3:00
